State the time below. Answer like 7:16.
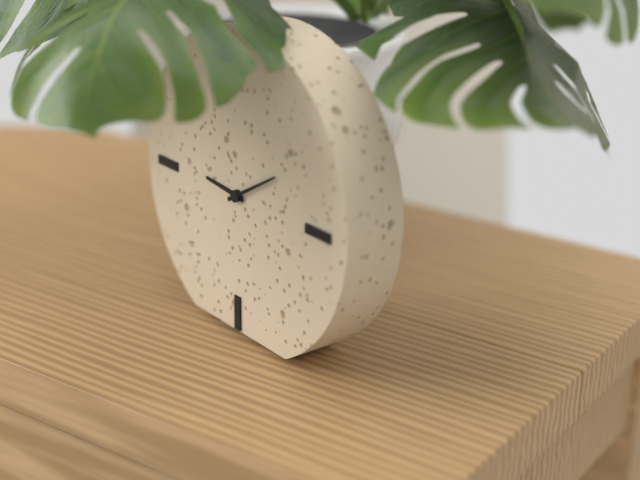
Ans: 9:10
